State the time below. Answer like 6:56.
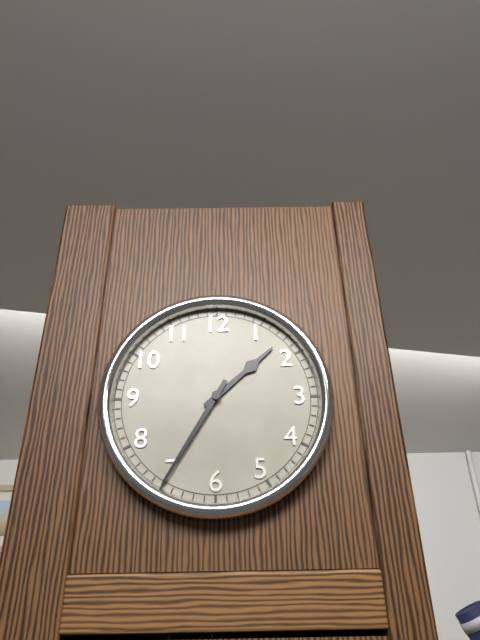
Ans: 1:35
